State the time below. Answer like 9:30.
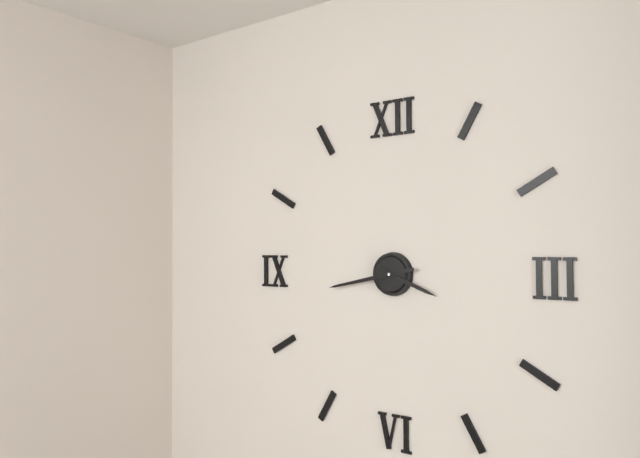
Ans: 3:43
